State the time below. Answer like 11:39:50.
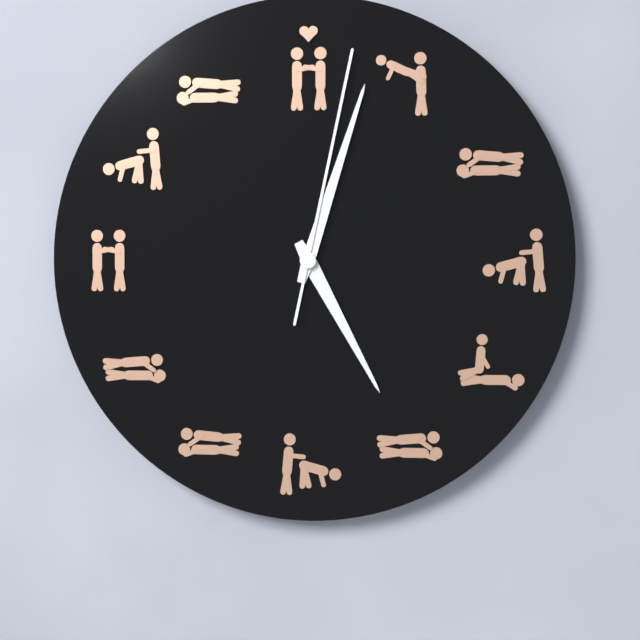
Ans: 5:03:02
